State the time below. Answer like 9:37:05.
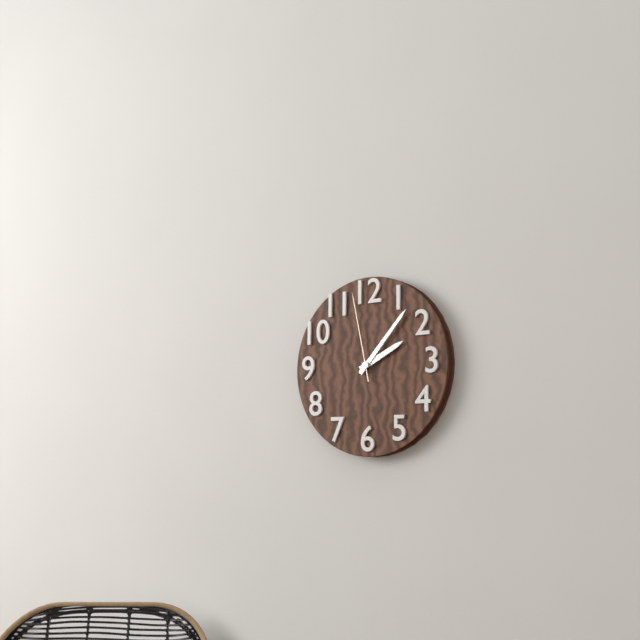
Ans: 2:07:58
